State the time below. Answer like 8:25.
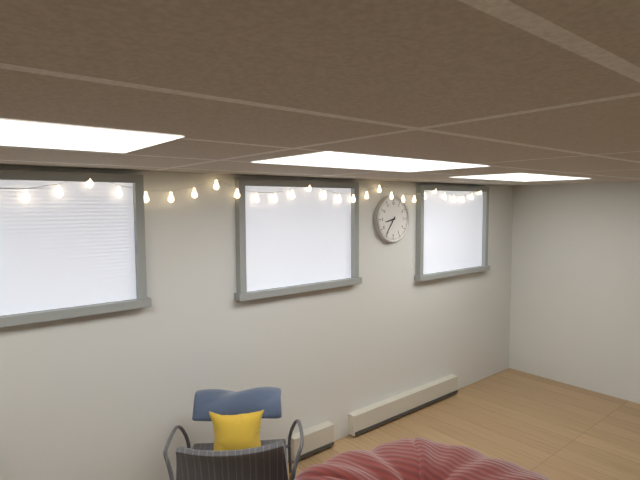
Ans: 8:36
